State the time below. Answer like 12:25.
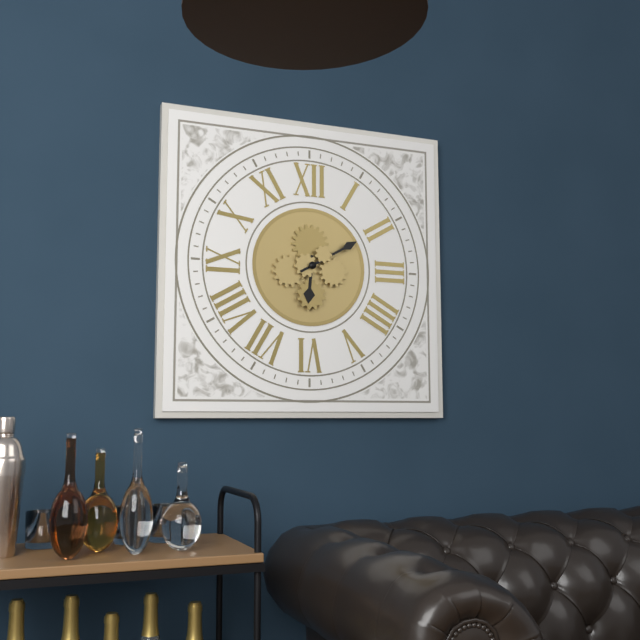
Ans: 6:10
